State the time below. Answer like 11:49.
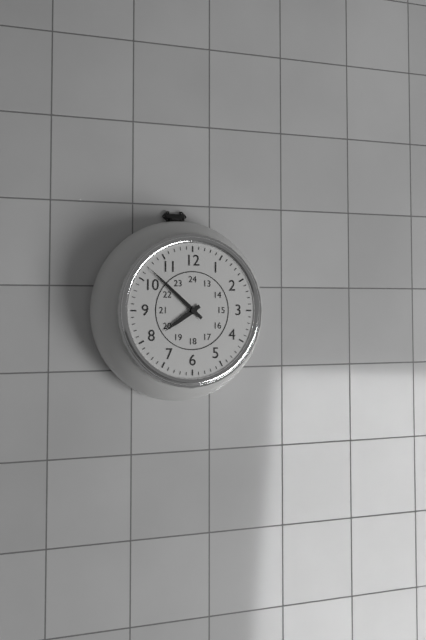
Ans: 7:52
